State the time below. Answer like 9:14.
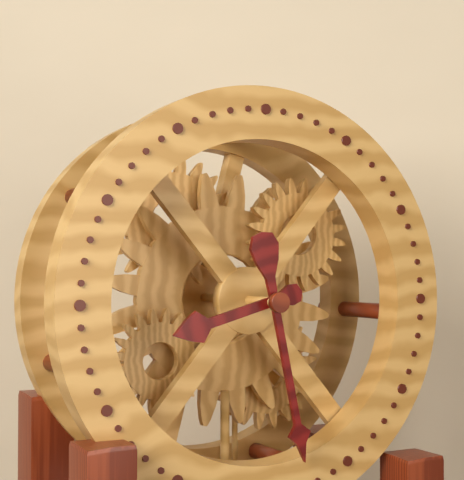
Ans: 8:28
